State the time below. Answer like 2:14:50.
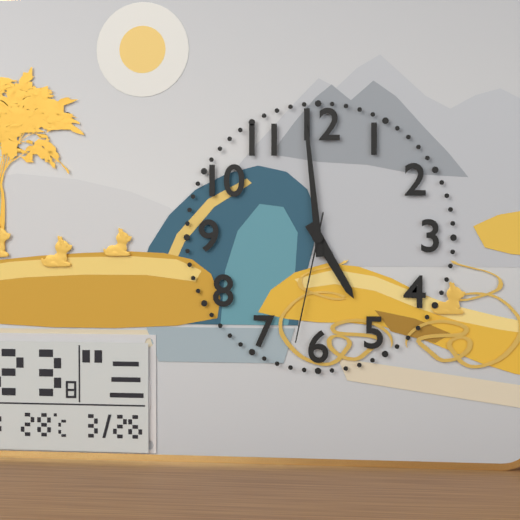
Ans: 4:59:32
